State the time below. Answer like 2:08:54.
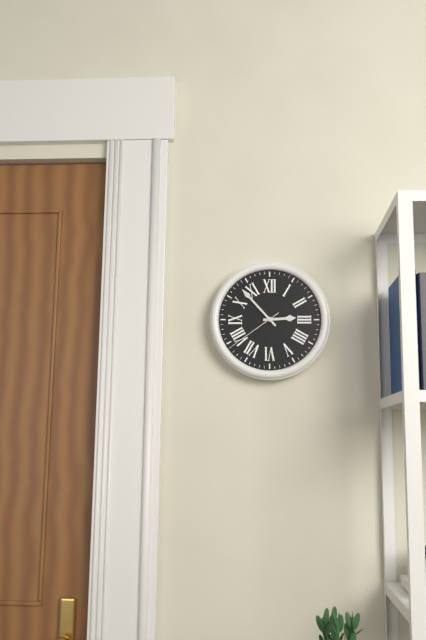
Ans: 2:53:39
